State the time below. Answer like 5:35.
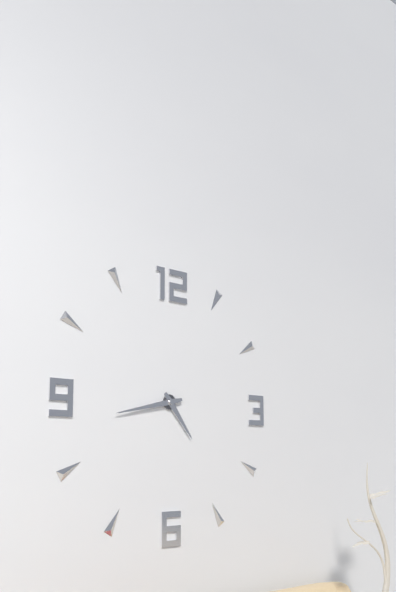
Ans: 4:43
